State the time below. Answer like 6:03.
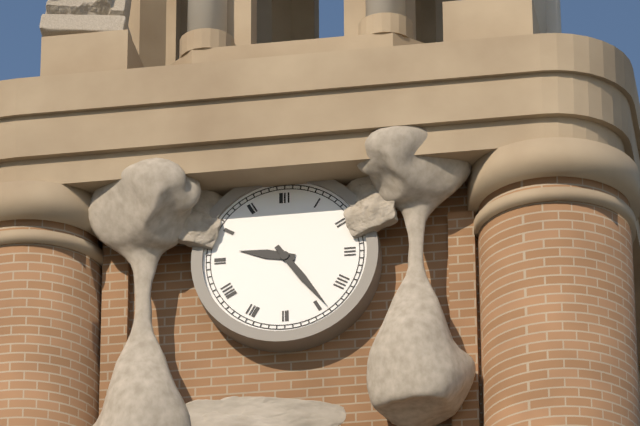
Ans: 9:24
